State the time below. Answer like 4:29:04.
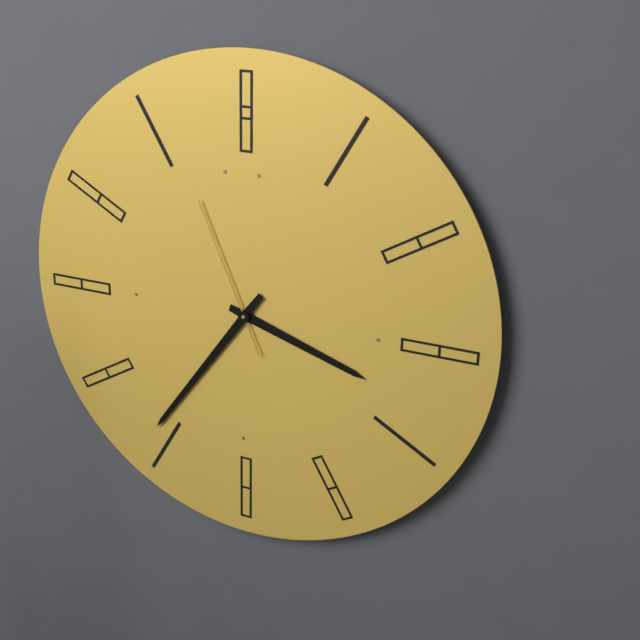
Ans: 3:36:56
